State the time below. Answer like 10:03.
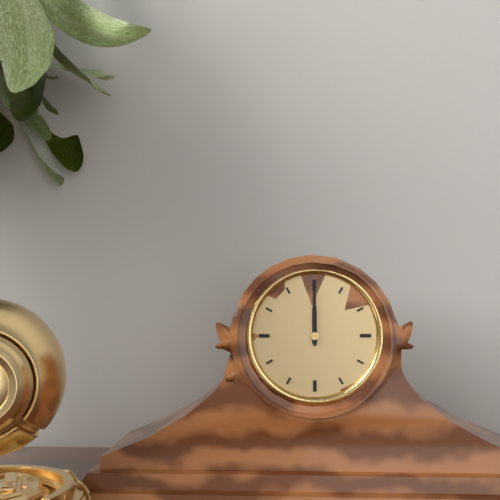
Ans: 12:00
